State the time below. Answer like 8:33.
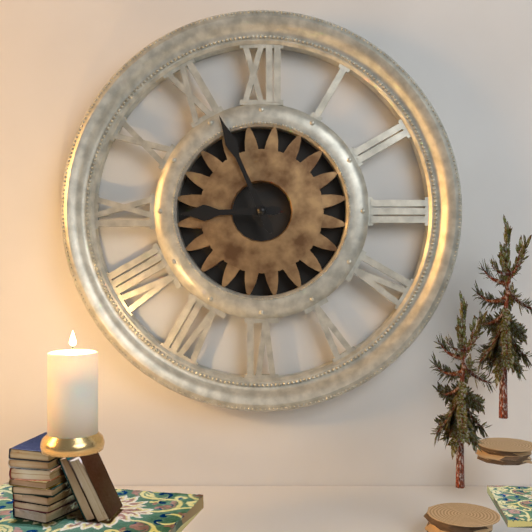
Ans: 8:56
